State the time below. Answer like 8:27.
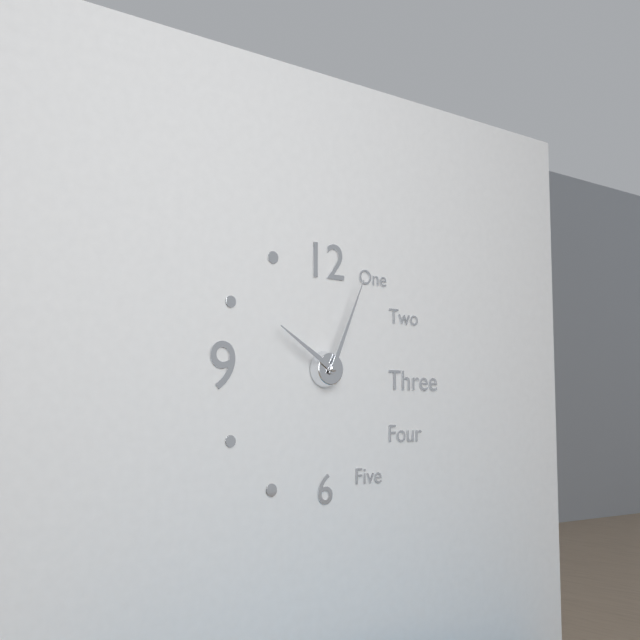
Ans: 10:04
